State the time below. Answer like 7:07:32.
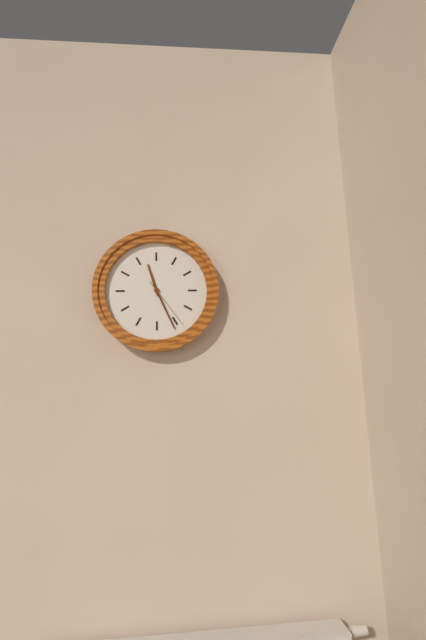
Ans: 11:26:24
